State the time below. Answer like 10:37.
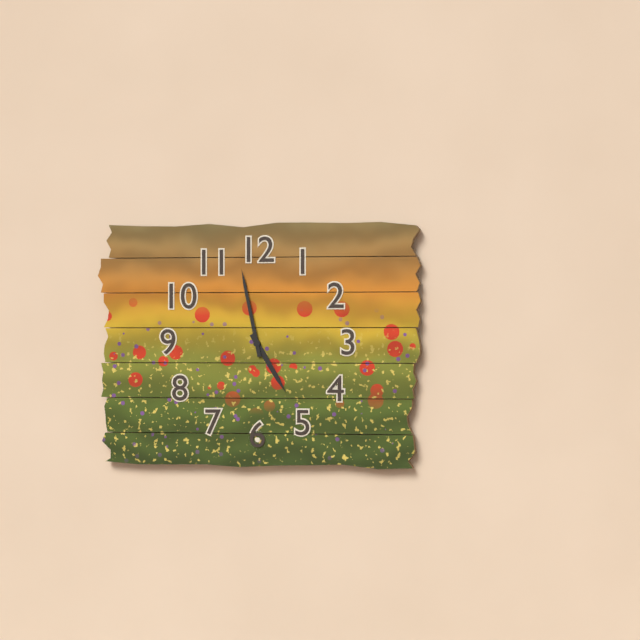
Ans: 4:58
